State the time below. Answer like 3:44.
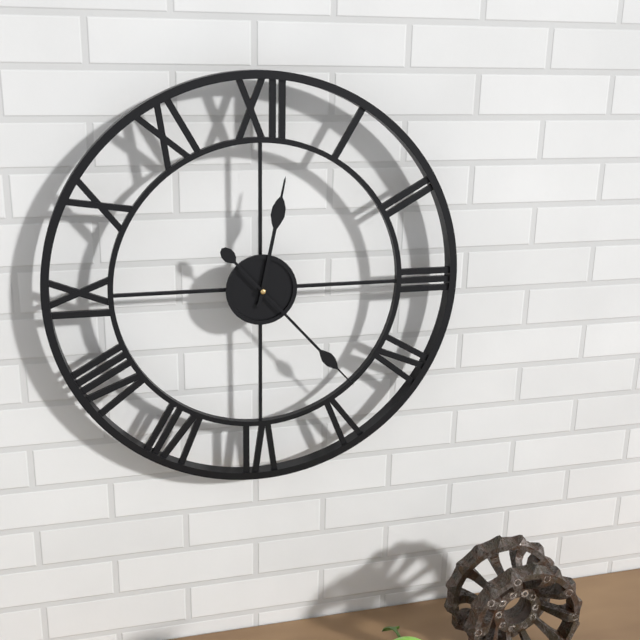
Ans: 12:23
